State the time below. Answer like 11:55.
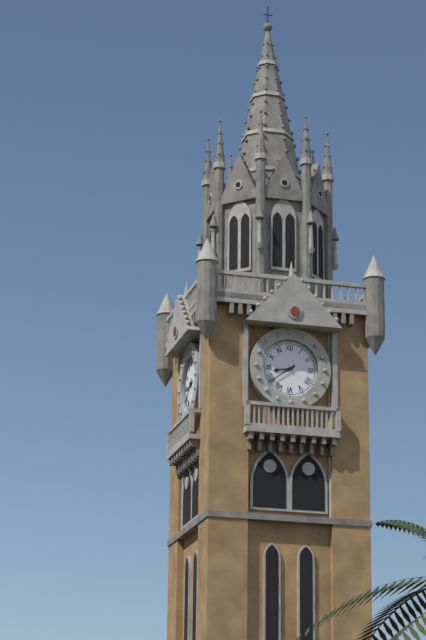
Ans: 8:39
